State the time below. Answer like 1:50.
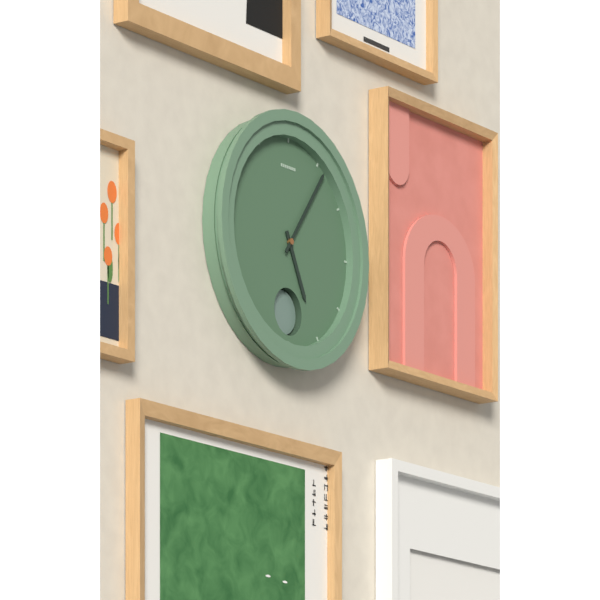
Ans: 5:06
